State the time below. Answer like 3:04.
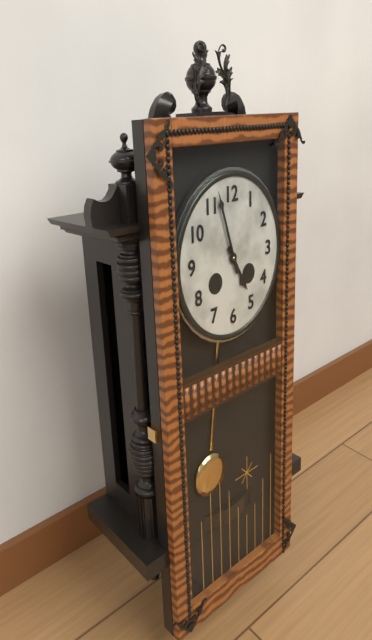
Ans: 4:57
